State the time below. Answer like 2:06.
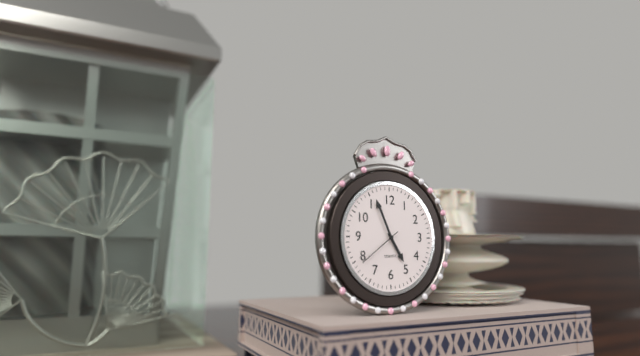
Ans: 4:56
